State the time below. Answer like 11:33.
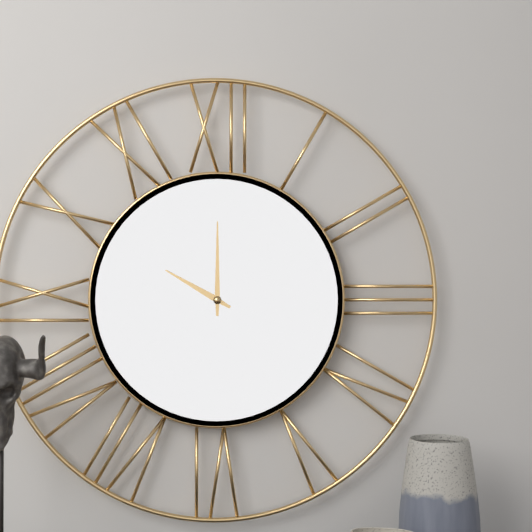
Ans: 10:00
